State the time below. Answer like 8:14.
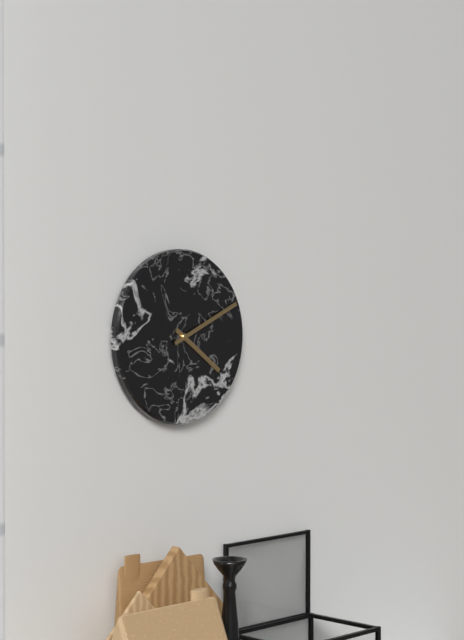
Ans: 4:11
